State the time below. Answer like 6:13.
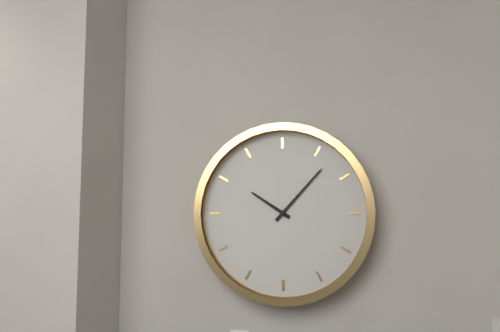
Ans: 10:07
